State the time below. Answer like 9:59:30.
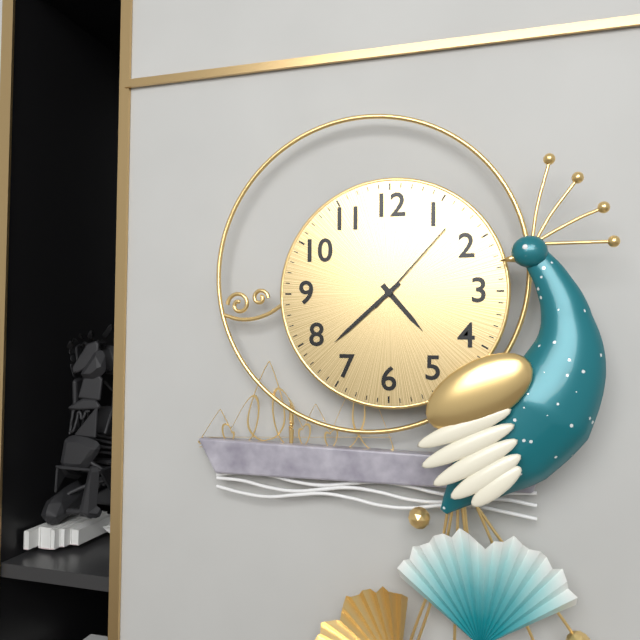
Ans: 4:38:07
